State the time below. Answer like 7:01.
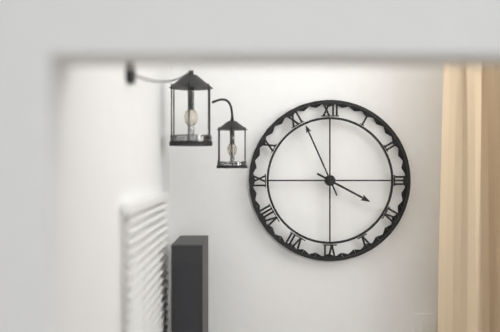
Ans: 3:56
